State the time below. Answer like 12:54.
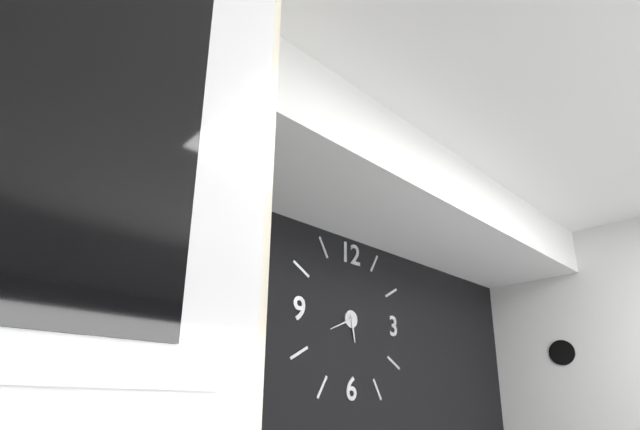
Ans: 5:41
